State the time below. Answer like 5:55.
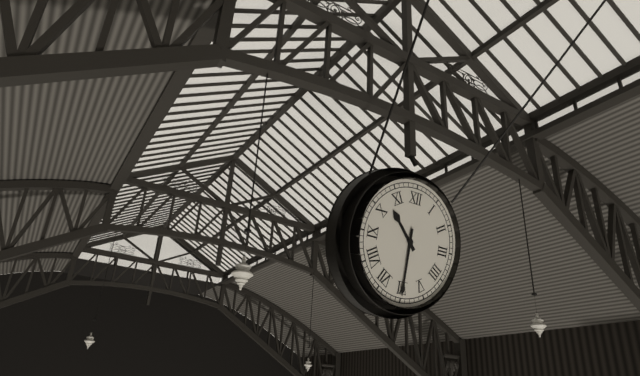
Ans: 10:30
